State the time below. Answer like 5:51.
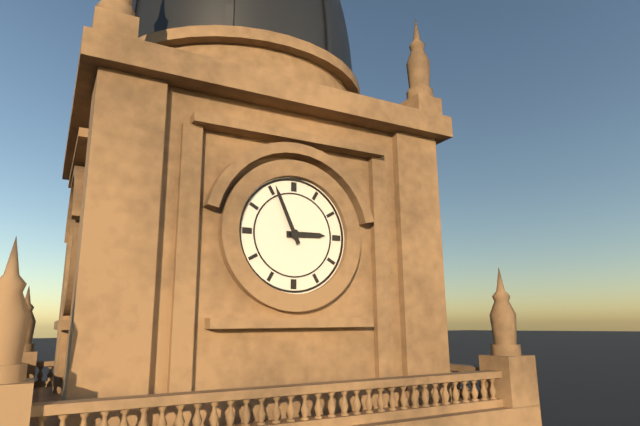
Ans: 2:56
